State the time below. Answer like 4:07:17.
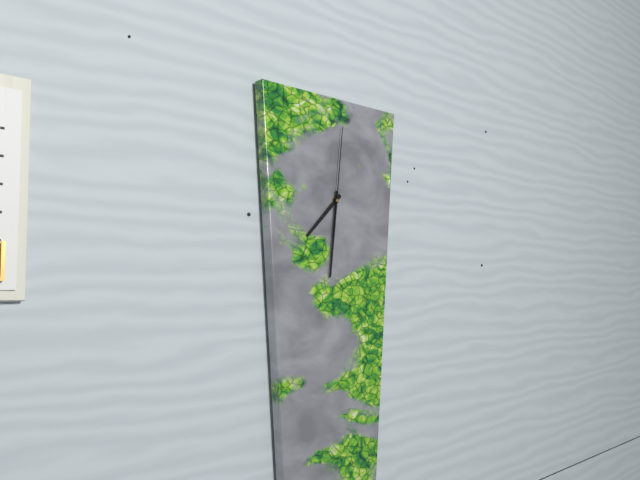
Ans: 7:31:01
